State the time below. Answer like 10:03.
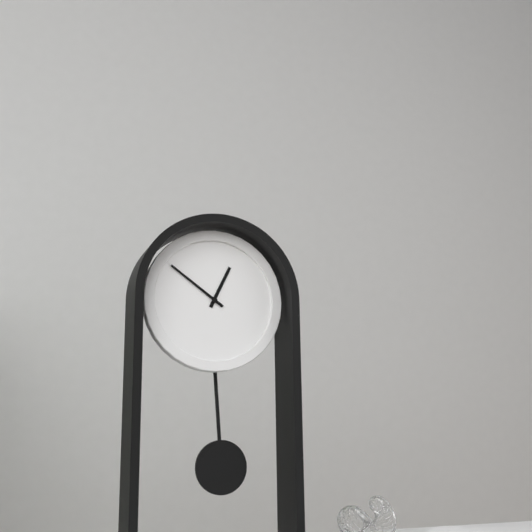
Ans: 12:51
